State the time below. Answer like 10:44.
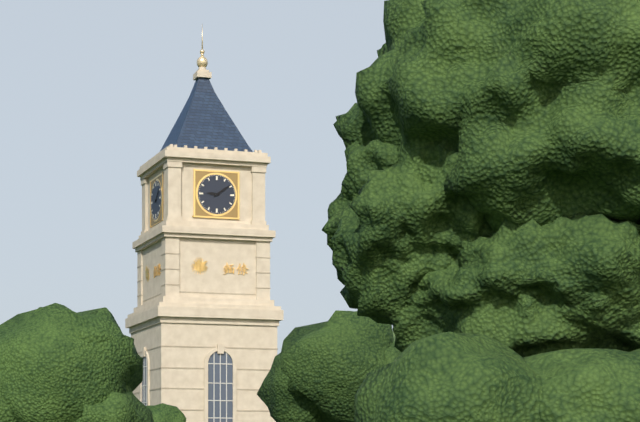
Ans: 9:09
